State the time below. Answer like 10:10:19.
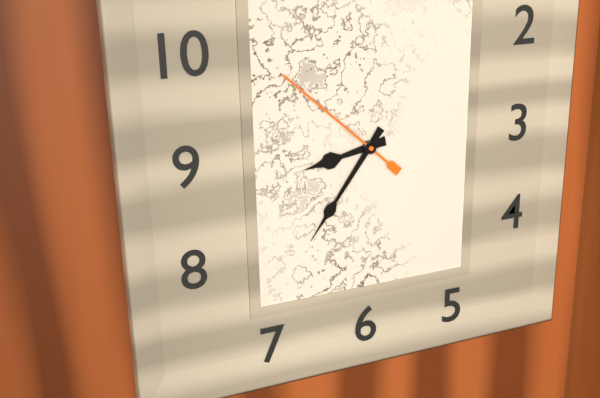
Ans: 8:36:52
